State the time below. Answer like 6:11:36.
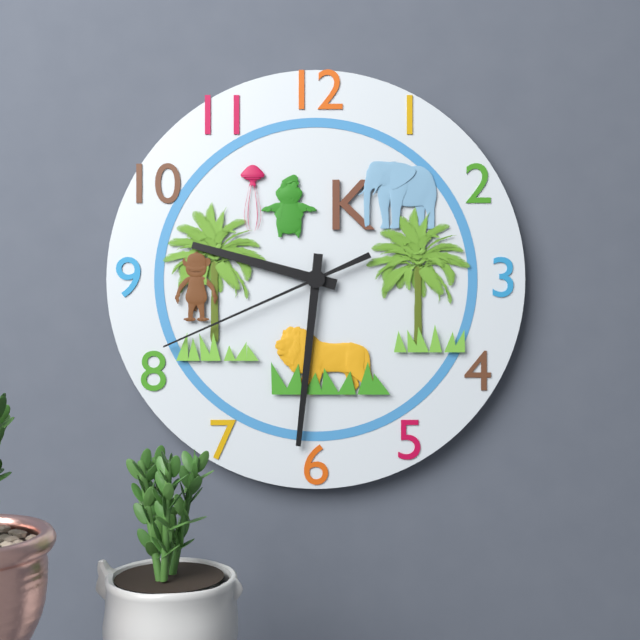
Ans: 9:31:41
